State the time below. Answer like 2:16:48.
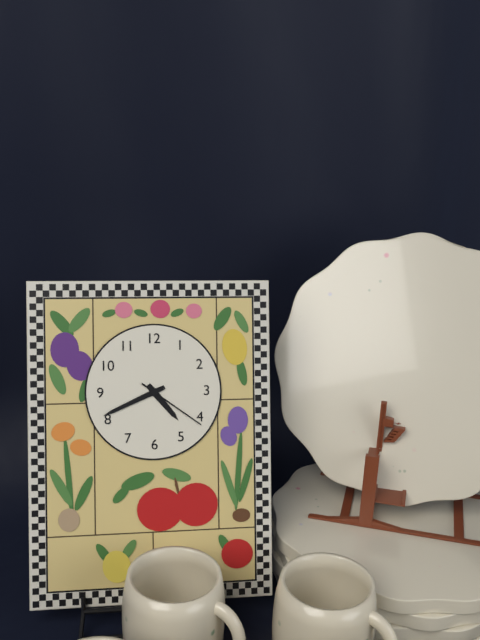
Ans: 4:41:21
